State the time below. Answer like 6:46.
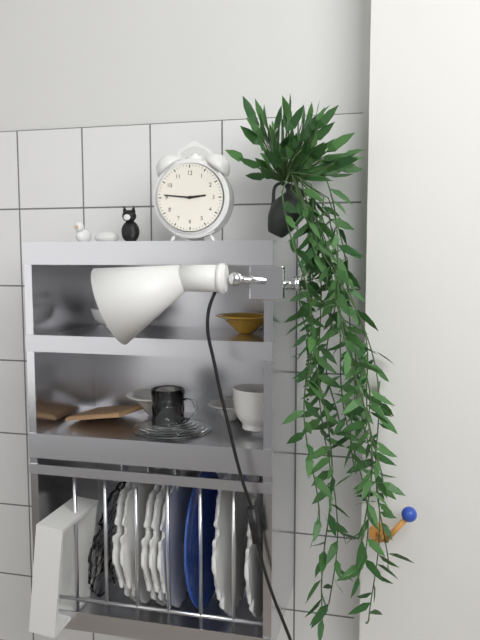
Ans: 2:46
